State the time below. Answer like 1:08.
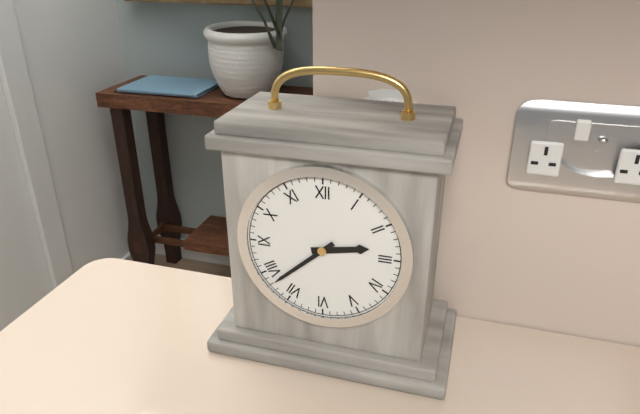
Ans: 2:38
